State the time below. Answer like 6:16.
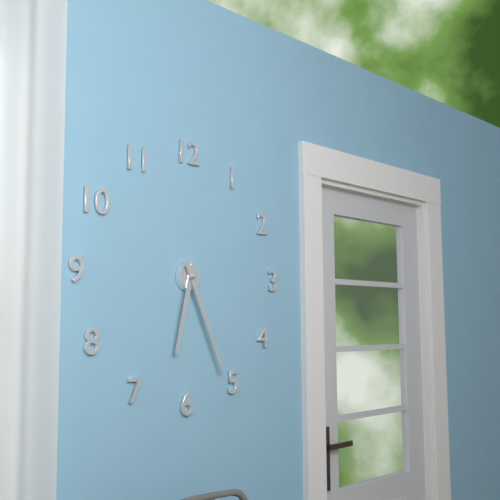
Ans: 6:26
